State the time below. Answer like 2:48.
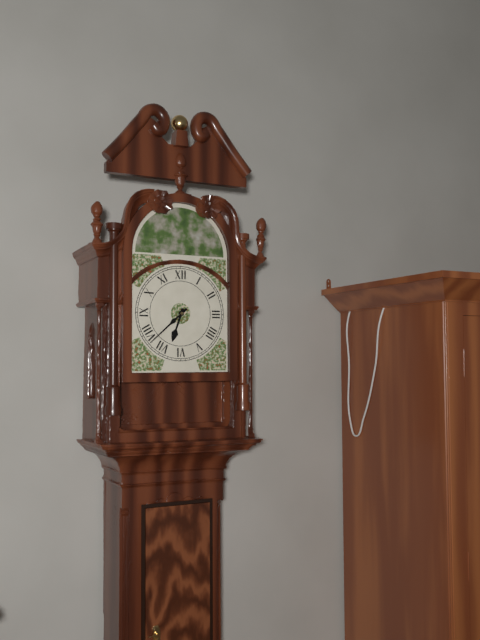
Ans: 6:38
